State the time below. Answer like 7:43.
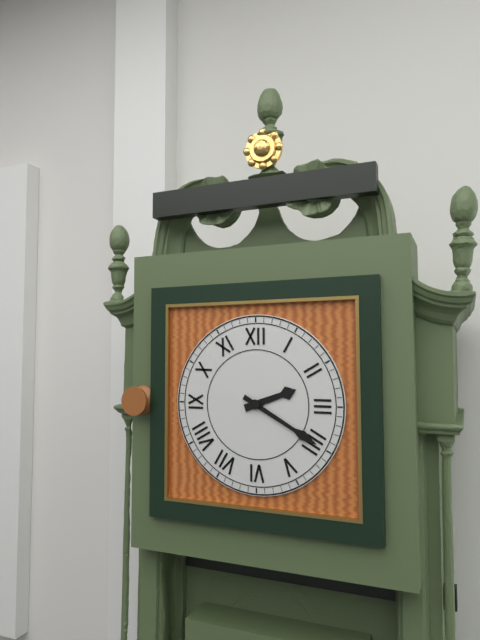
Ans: 2:20
